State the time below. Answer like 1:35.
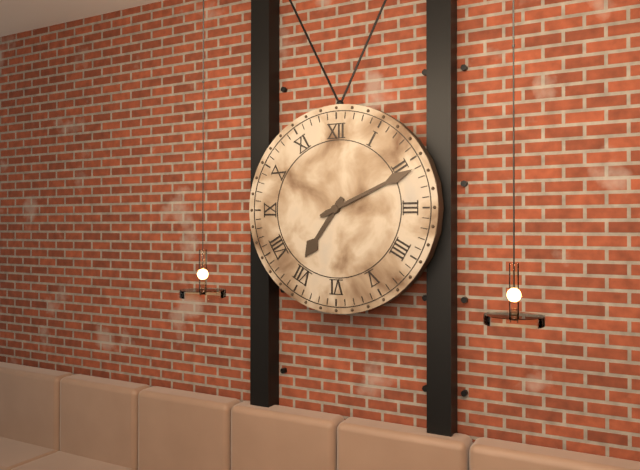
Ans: 7:11
